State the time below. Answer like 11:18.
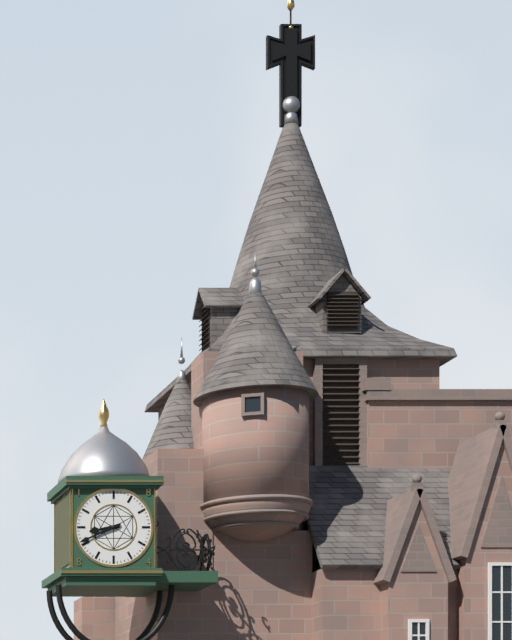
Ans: 8:41
